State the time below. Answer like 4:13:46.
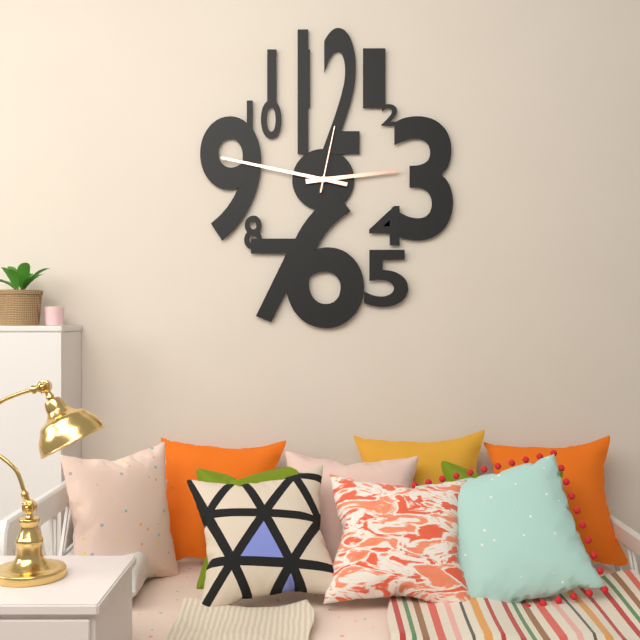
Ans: 2:47:02
